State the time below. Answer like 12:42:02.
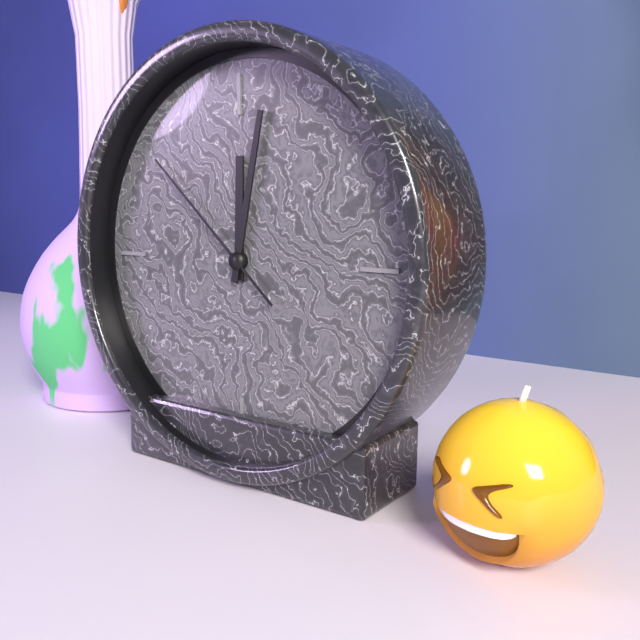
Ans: 12:02:52
